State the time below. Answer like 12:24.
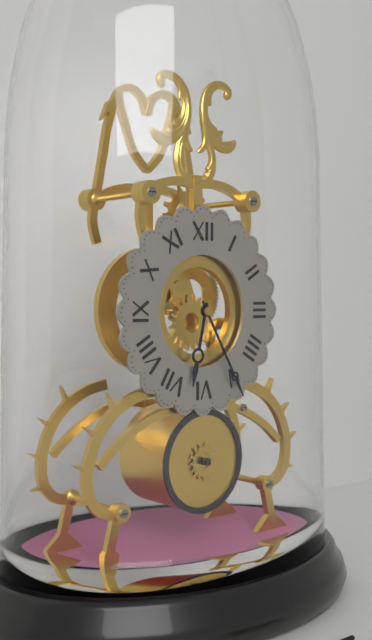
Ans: 6:25
